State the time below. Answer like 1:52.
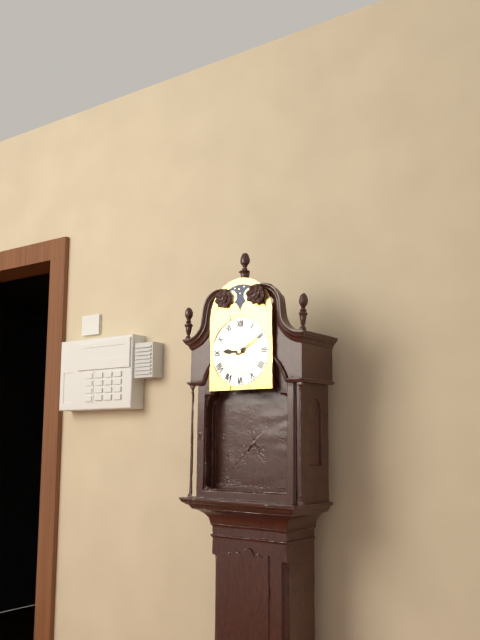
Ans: 9:10
